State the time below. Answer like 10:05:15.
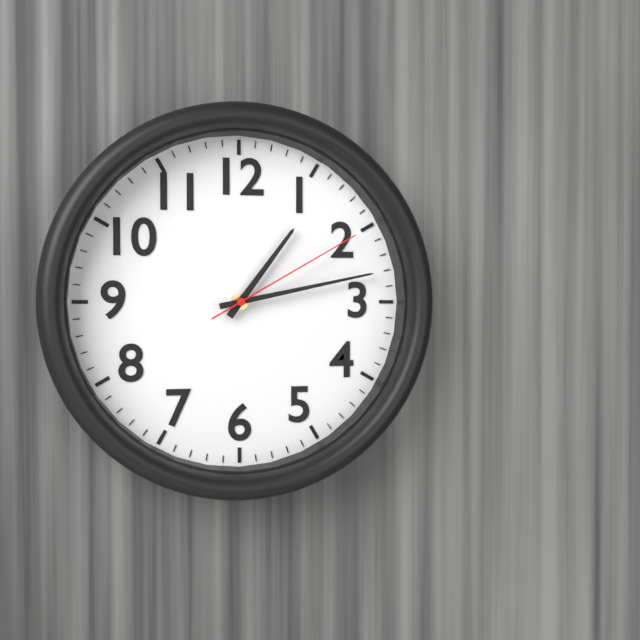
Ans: 1:13:10
